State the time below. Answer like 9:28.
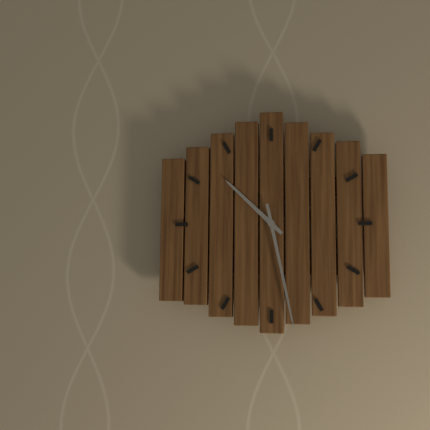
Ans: 10:28
